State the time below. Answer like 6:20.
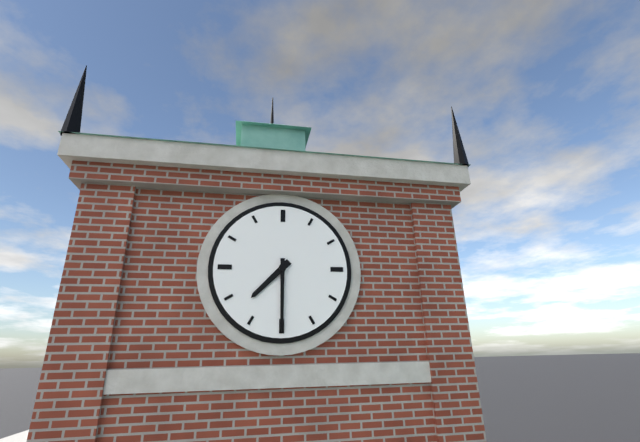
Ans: 7:30
